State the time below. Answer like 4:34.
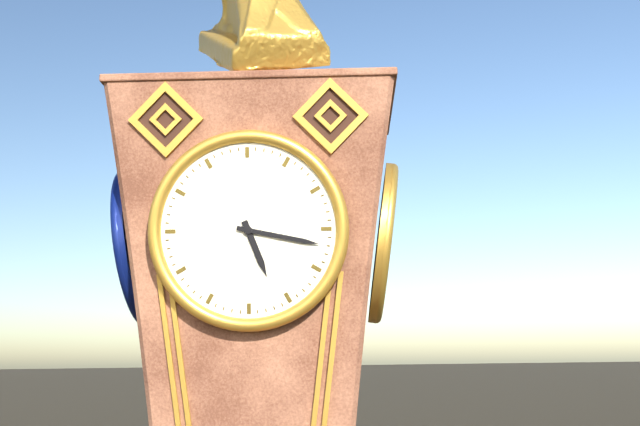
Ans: 5:17
